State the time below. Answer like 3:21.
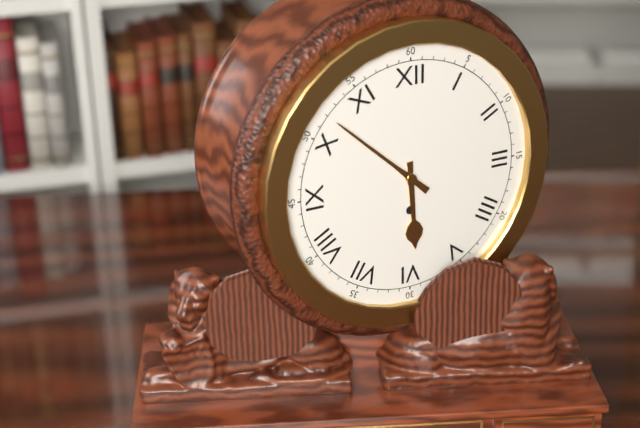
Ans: 5:52
